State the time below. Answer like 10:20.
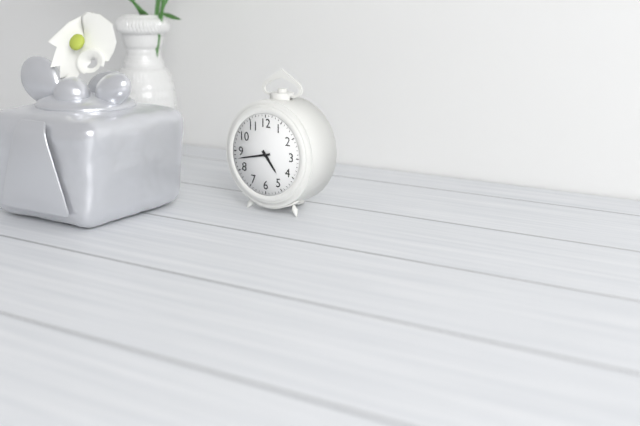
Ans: 4:43
